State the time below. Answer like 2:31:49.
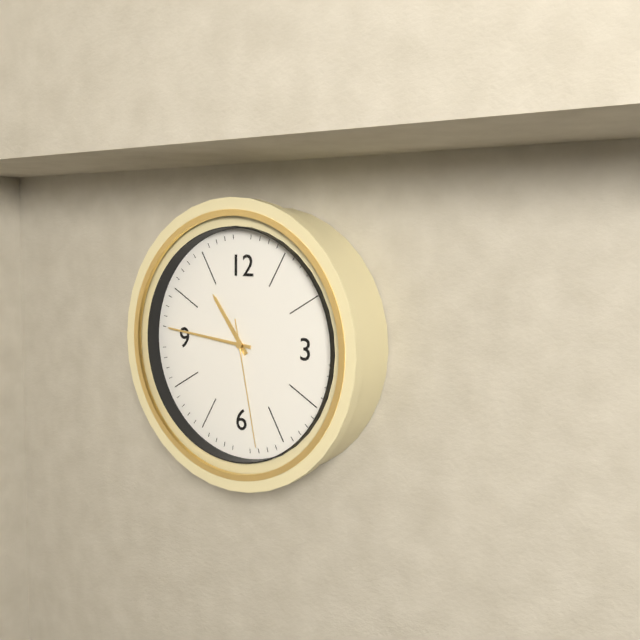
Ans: 10:46:28
